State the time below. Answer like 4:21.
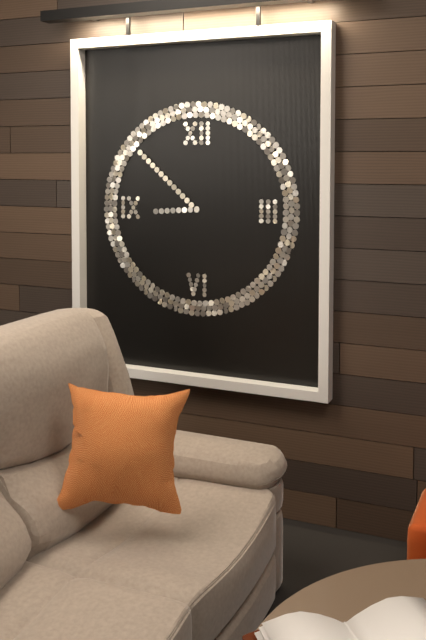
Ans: 8:52
